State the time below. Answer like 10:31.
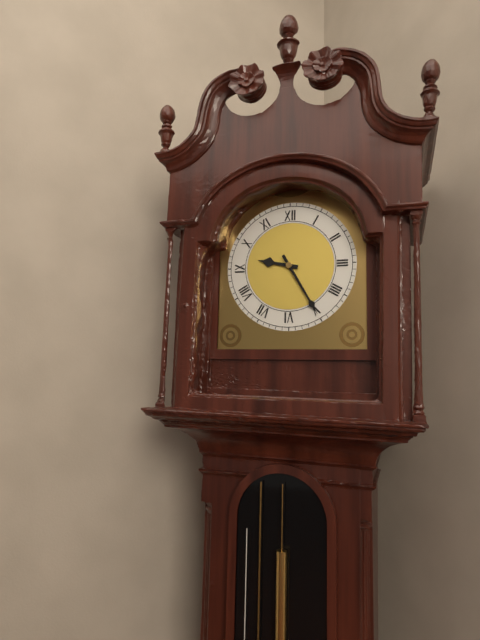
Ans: 9:25
